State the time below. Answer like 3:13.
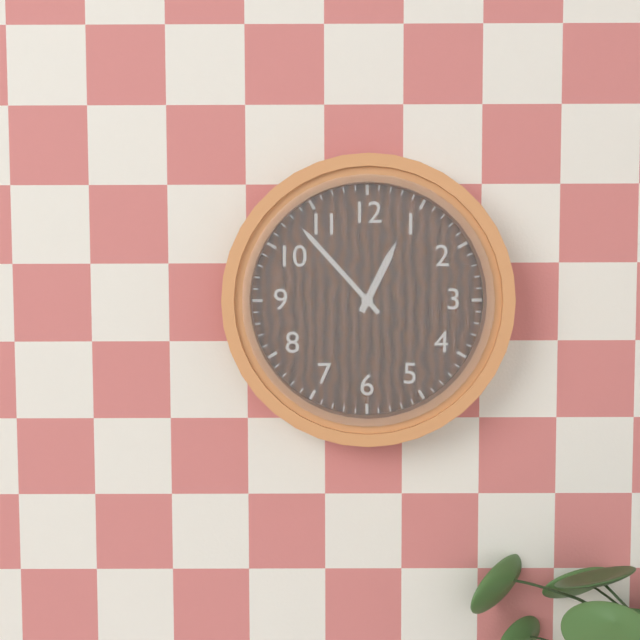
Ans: 12:53
